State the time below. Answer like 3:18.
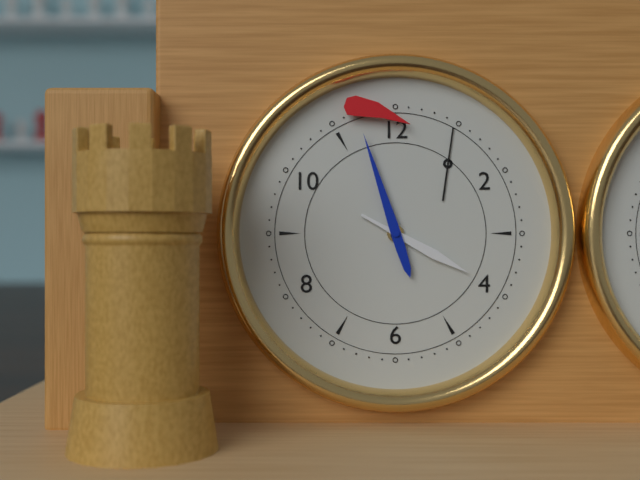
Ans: 3:57
